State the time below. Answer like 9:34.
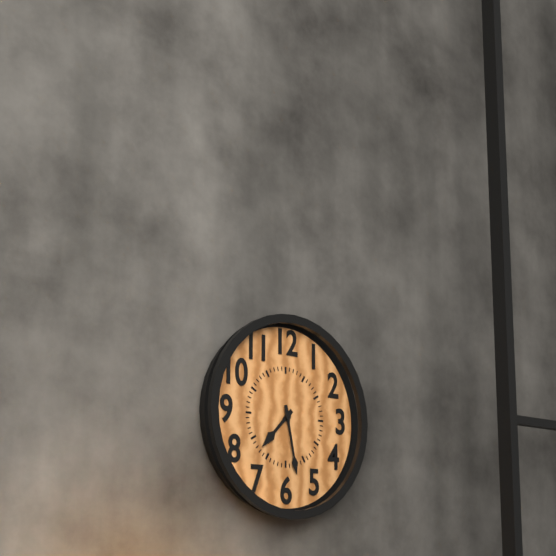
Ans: 7:28
